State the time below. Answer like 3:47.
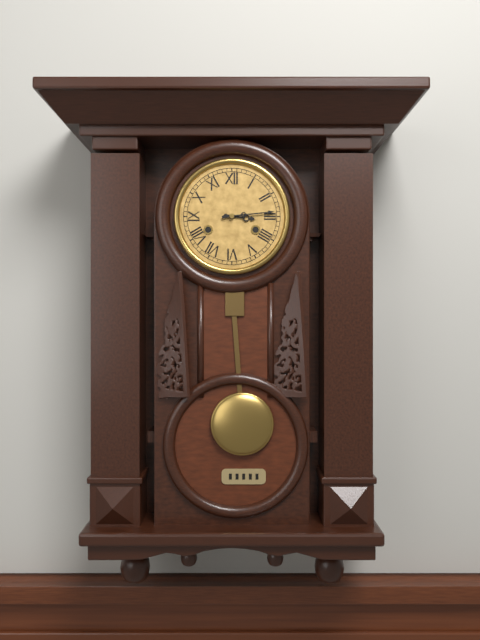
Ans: 3:14
